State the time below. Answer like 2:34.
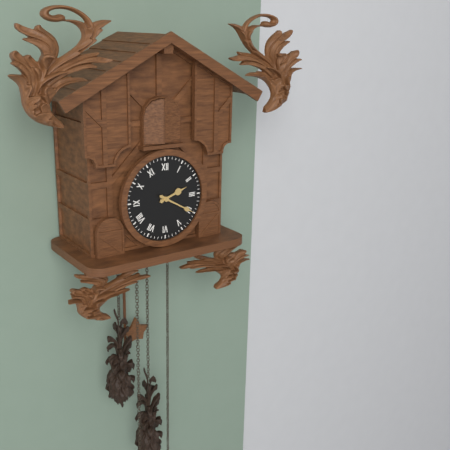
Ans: 2:20
